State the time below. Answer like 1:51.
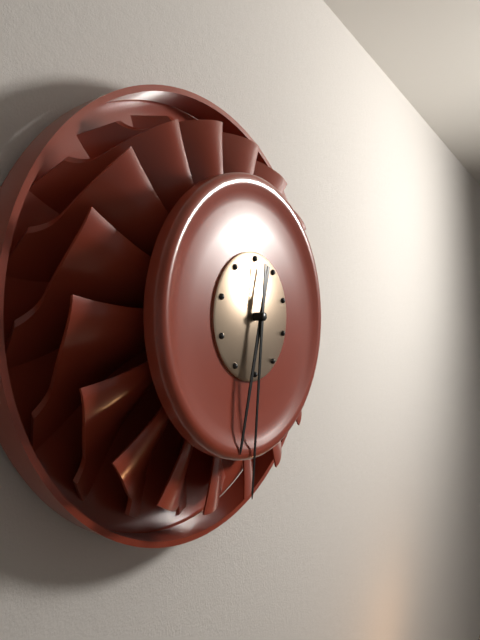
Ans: 6:31
